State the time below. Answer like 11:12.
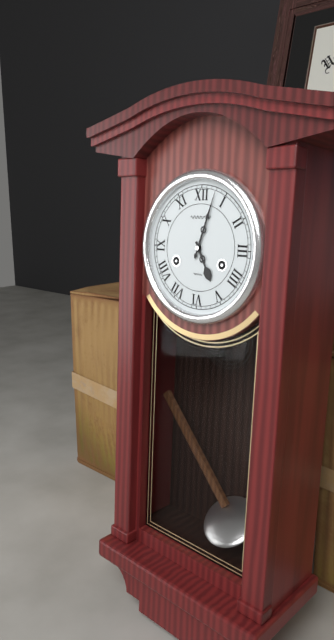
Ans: 5:03
